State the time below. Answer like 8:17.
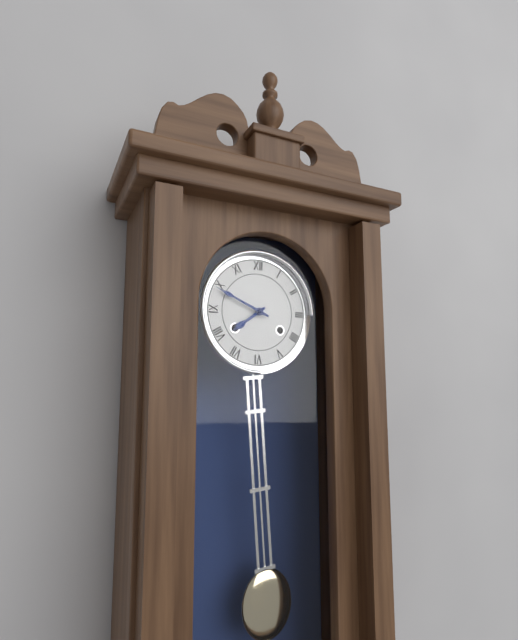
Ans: 7:49
